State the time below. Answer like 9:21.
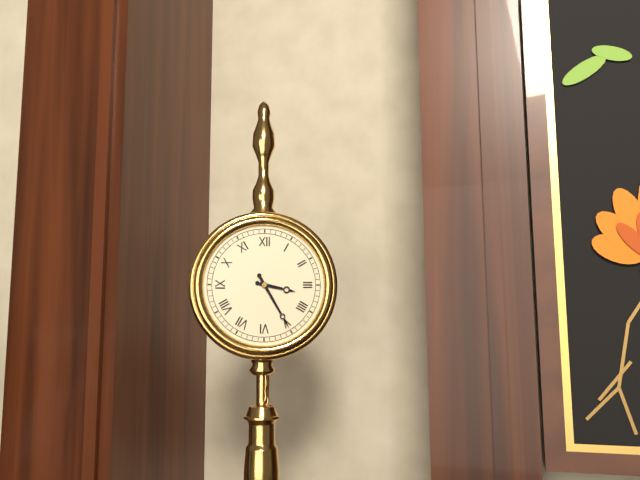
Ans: 3:25
